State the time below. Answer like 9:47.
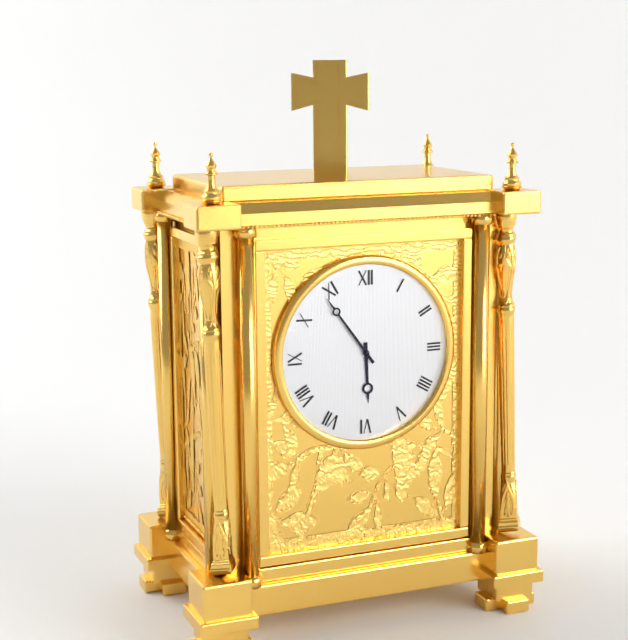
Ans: 5:54
